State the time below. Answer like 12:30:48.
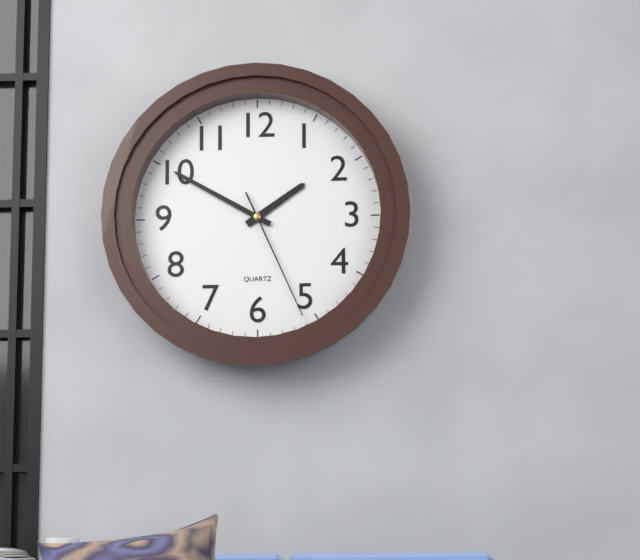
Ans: 1:50:26
